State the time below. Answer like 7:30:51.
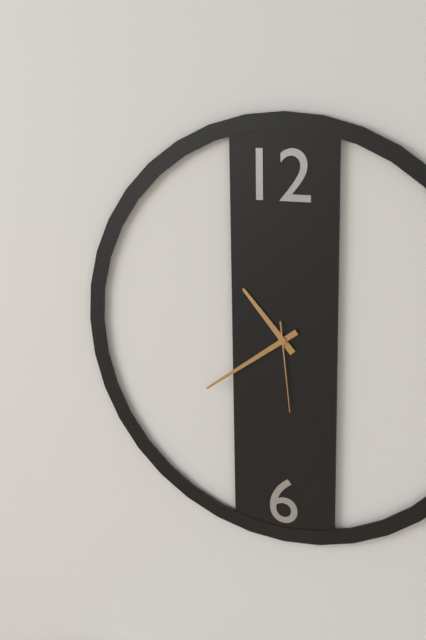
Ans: 10:39:29
